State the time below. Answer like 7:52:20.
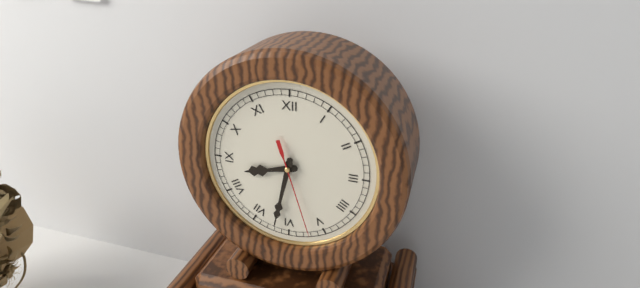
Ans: 8:32:27
